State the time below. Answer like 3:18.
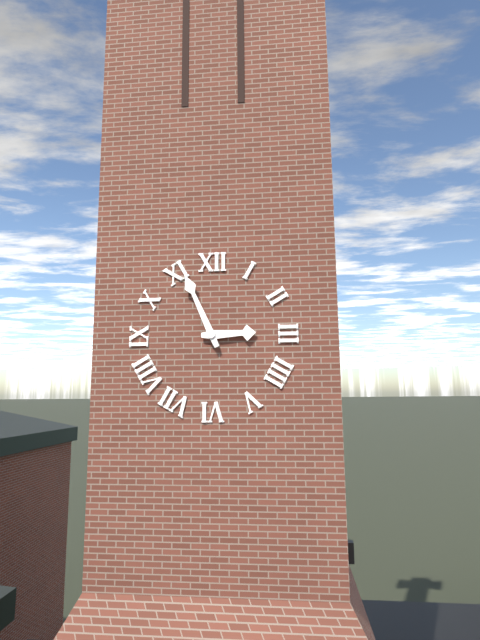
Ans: 2:56
